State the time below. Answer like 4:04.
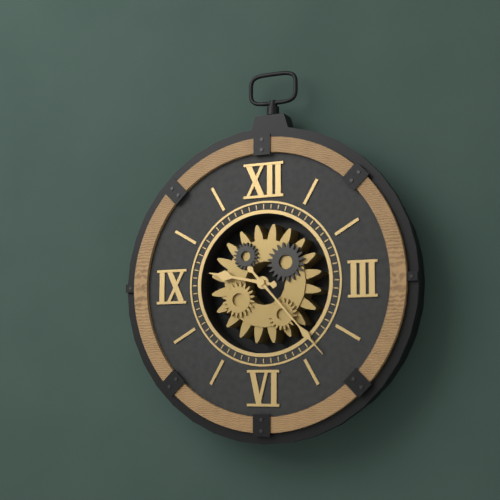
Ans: 9:23
